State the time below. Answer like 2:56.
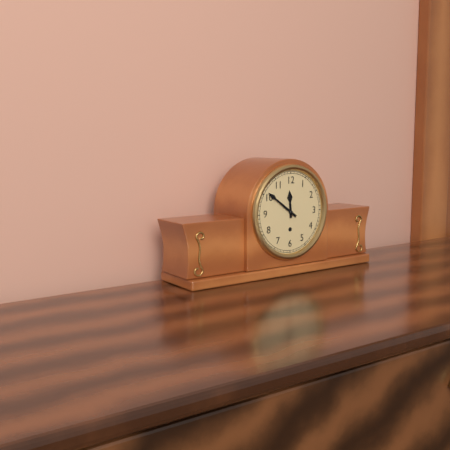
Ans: 11:51
